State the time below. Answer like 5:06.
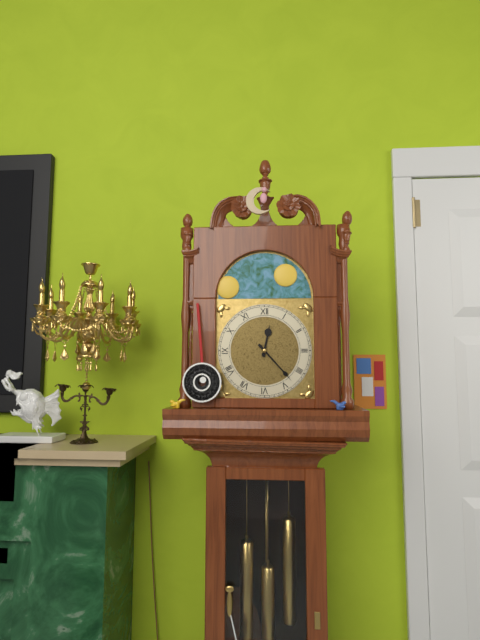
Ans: 12:23
